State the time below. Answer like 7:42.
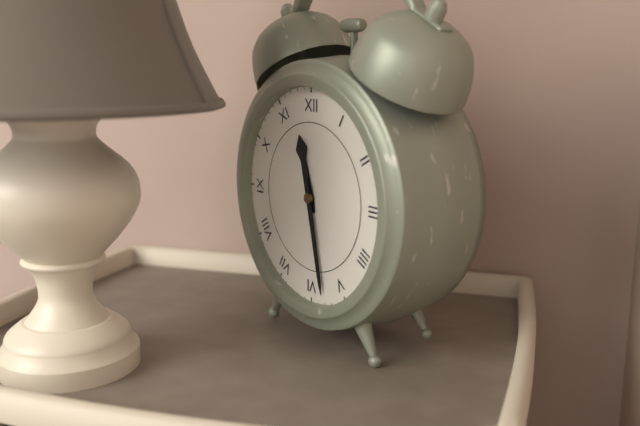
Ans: 11:28
